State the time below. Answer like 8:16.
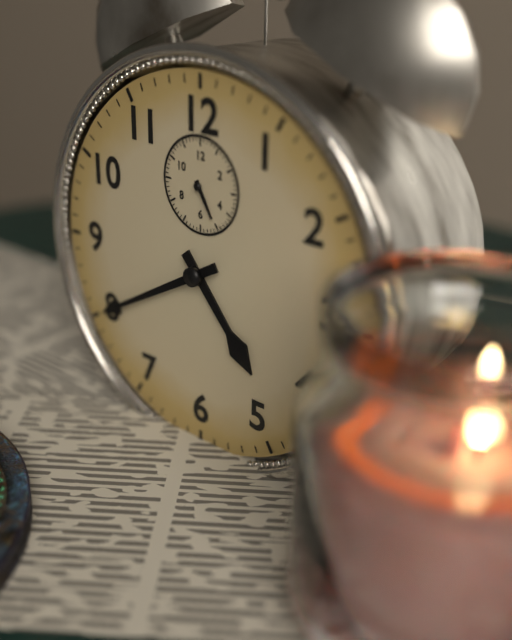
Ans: 4:40
